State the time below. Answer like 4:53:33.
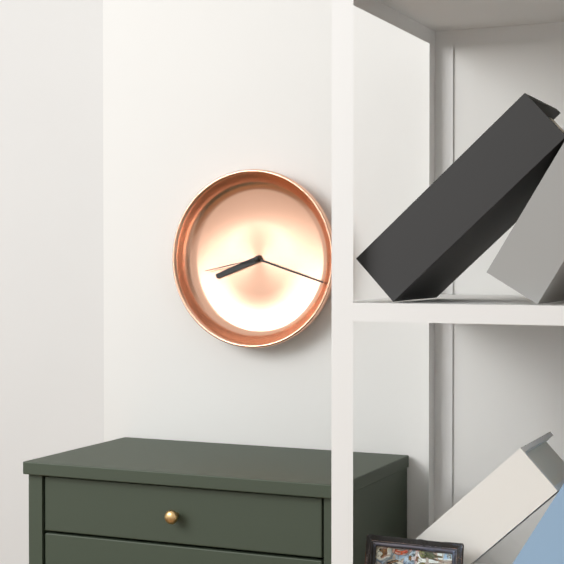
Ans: 8:18:43
